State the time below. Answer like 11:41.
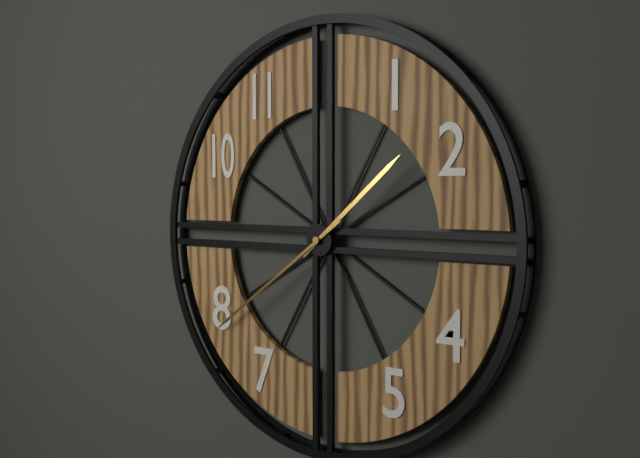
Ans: 1:39
